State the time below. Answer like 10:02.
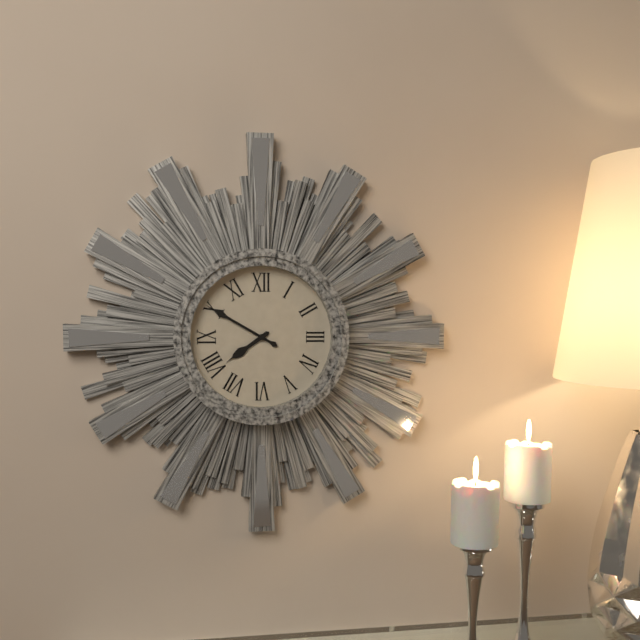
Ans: 7:50
